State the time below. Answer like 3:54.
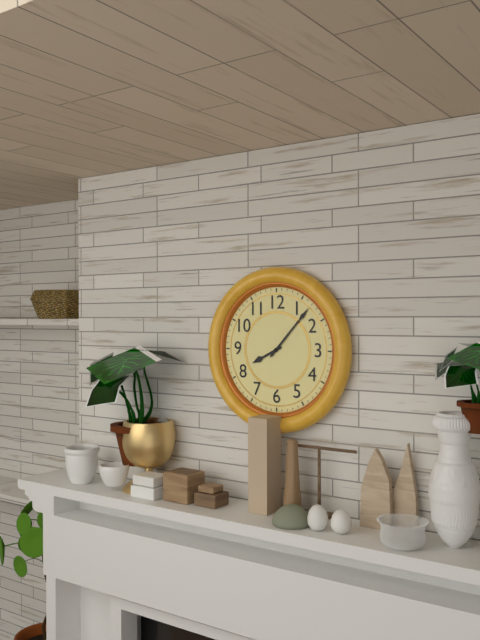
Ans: 8:07
